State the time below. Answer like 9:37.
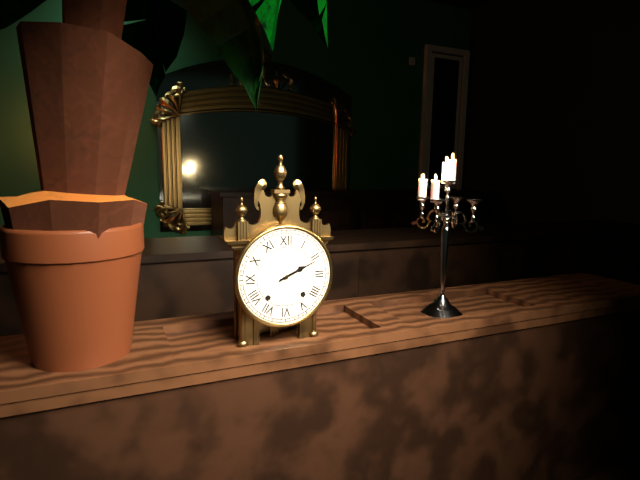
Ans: 2:11
